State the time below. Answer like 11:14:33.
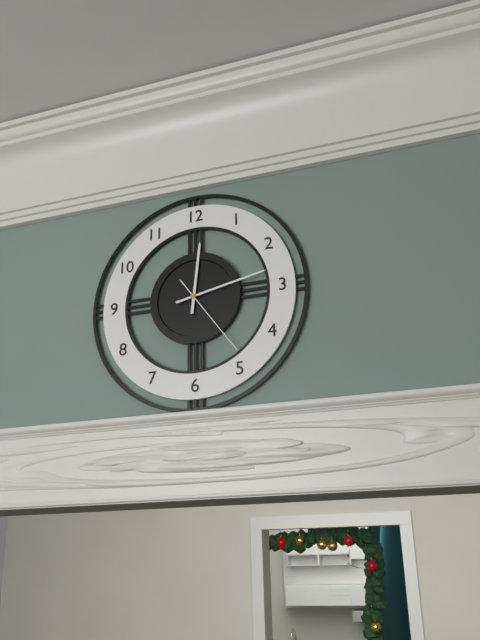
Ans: 12:13:24
